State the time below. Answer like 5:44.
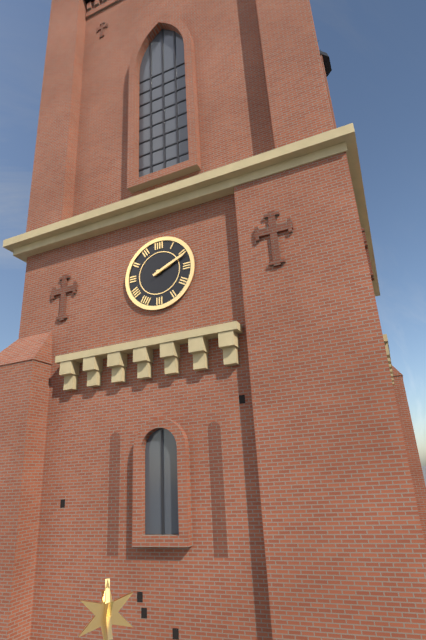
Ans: 2:11
